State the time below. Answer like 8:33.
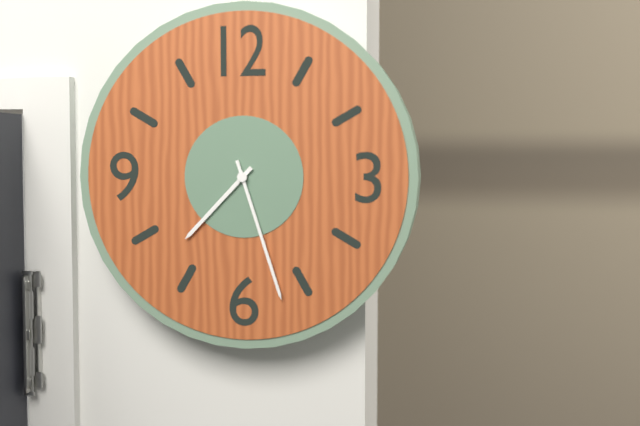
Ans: 7:27
